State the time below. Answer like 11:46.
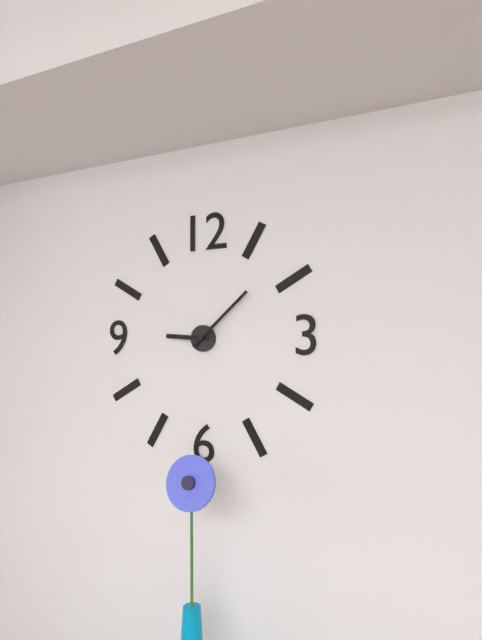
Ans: 9:08
